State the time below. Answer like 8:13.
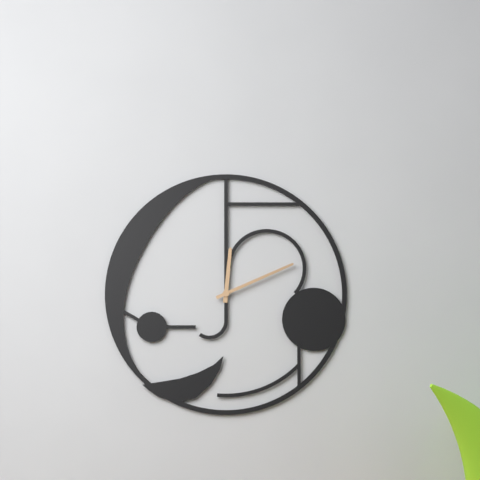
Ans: 12:11
